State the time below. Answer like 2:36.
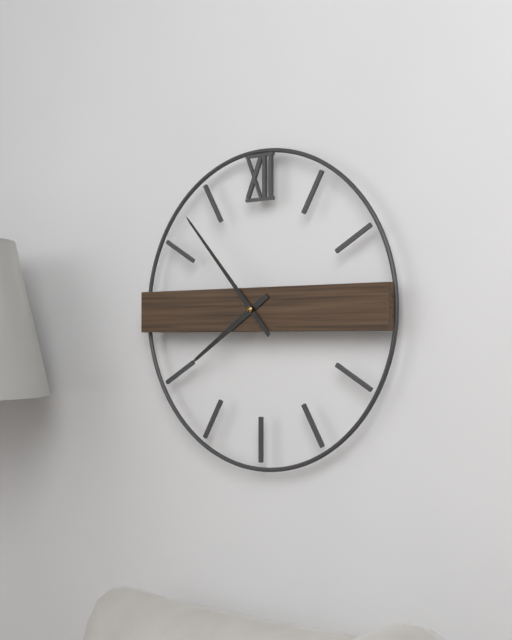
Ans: 7:53
